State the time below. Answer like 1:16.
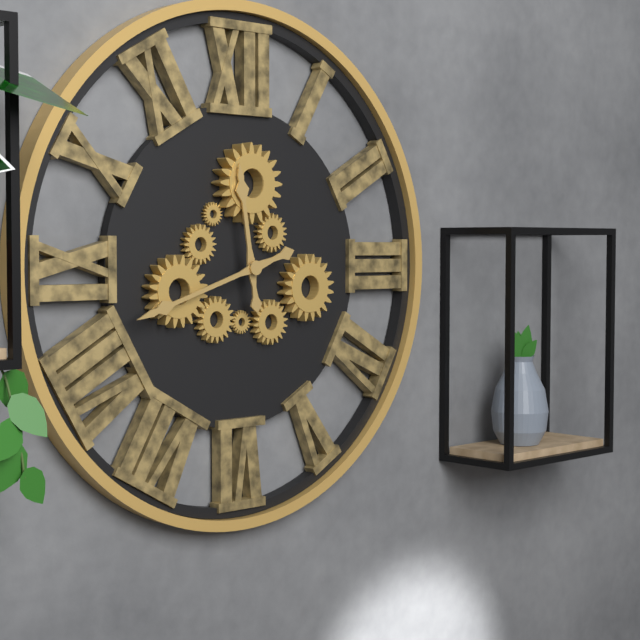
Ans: 11:42
